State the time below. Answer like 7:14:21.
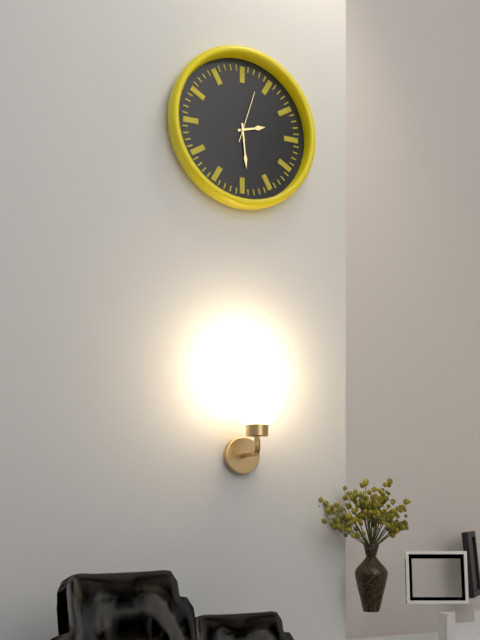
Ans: 2:29:03
